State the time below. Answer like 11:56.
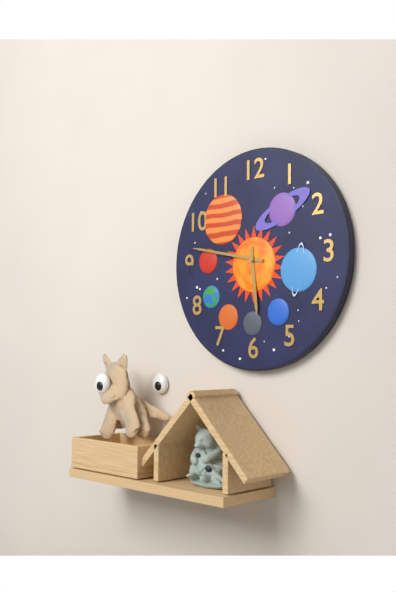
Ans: 5:47
